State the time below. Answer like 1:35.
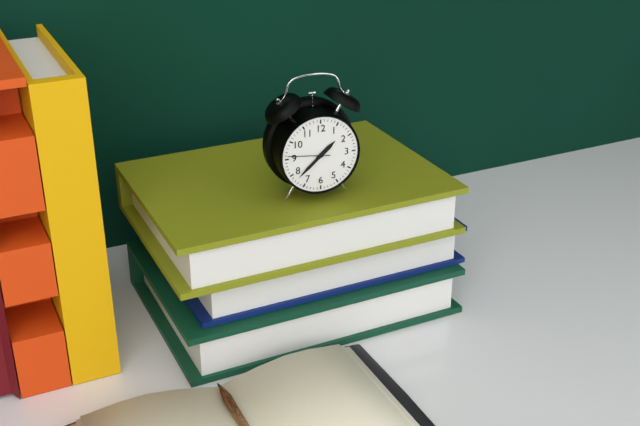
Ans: 1:38
